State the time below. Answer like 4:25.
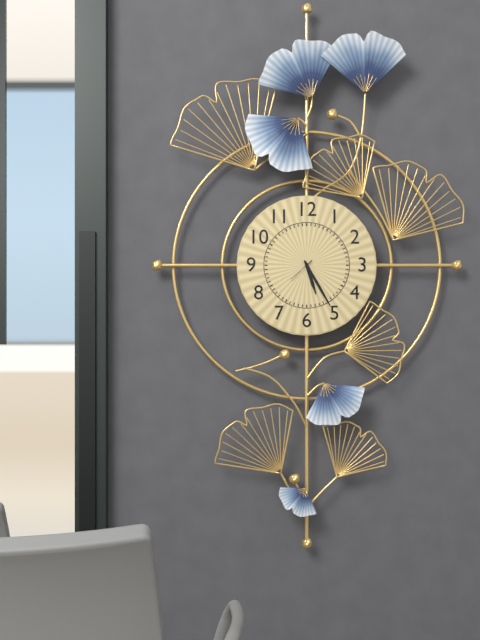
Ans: 5:25
